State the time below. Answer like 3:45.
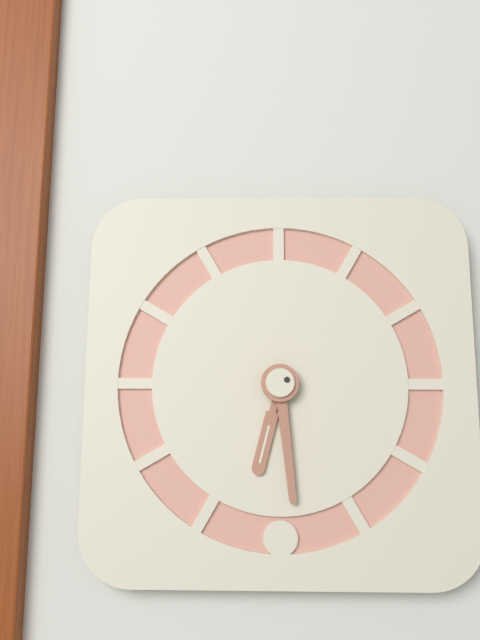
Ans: 6:29
